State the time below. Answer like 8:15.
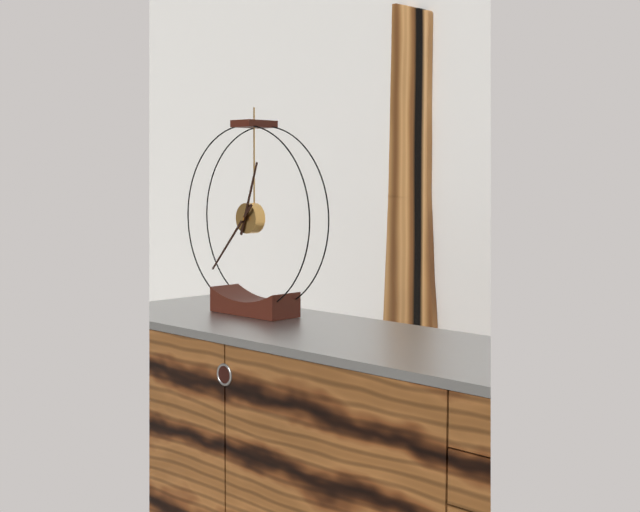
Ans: 12:37
